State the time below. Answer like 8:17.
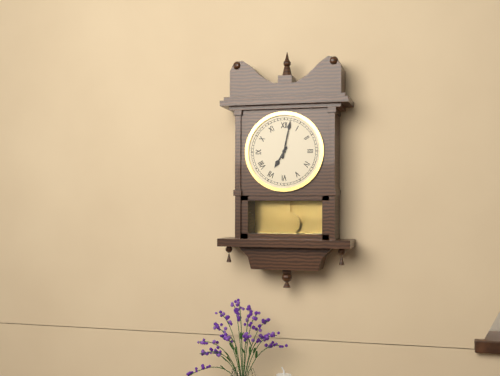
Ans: 7:02
